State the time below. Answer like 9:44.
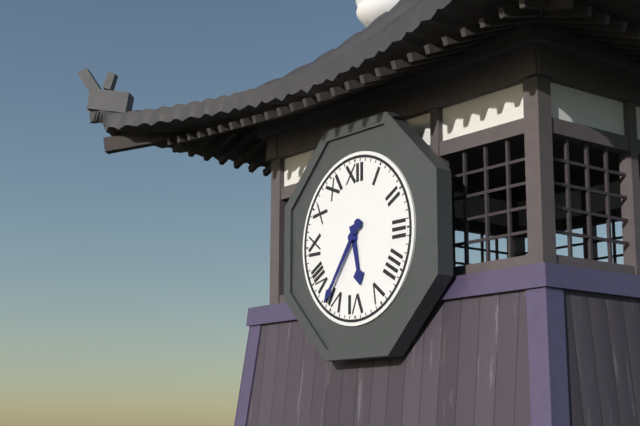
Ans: 5:36
